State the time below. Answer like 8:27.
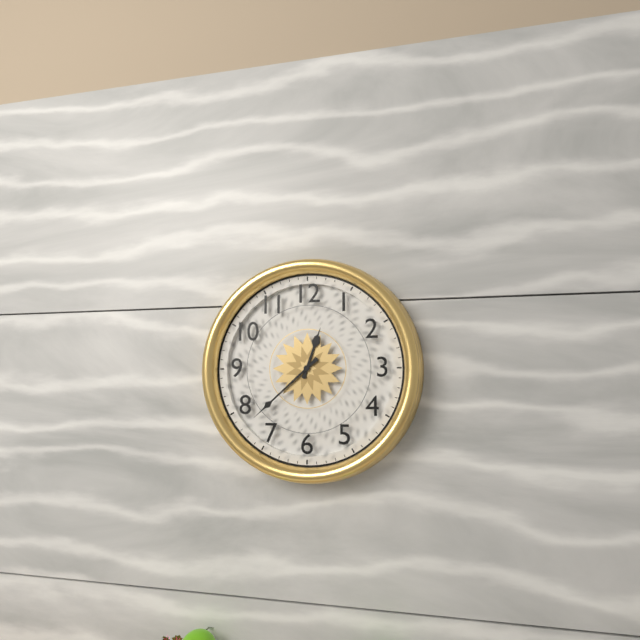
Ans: 12:38
